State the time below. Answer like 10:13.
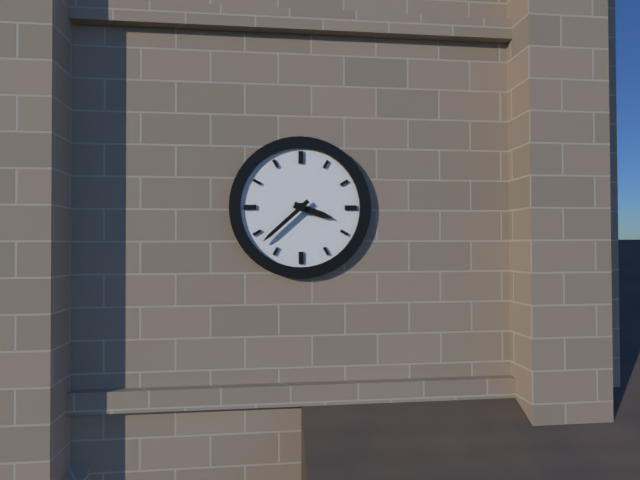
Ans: 3:38
